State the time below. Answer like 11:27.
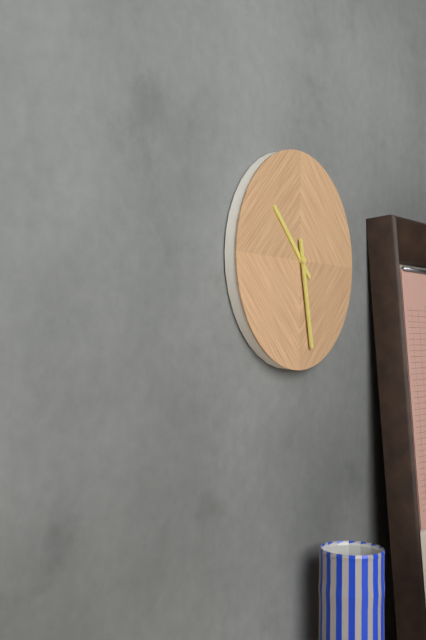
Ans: 10:28
